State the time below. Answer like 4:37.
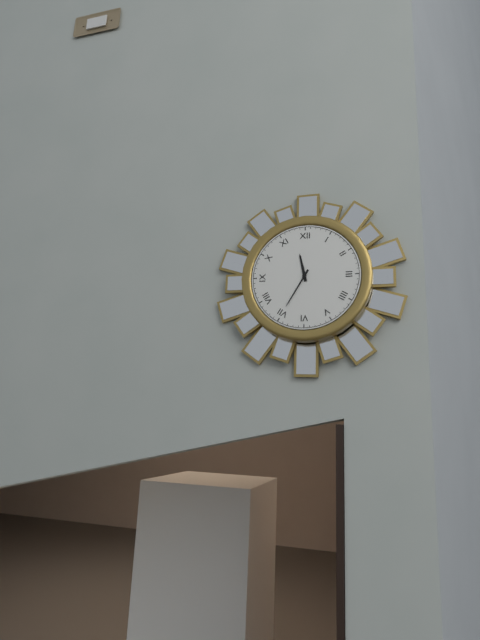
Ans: 11:35
